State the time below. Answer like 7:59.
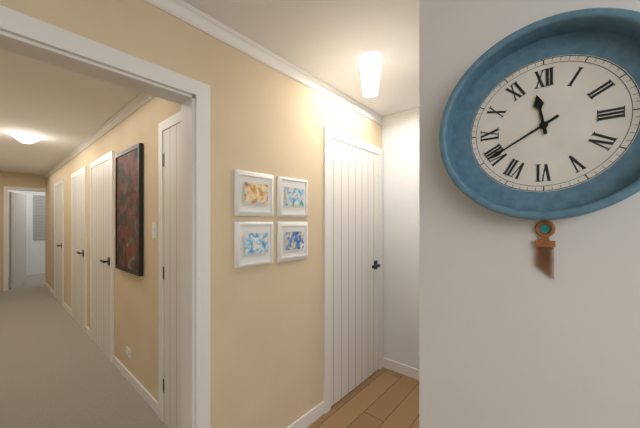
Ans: 11:40
